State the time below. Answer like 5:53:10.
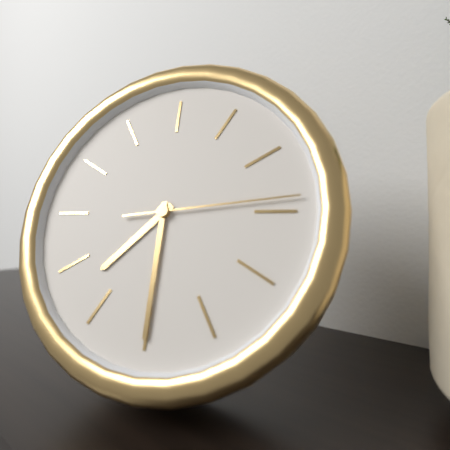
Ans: 7:30:14
